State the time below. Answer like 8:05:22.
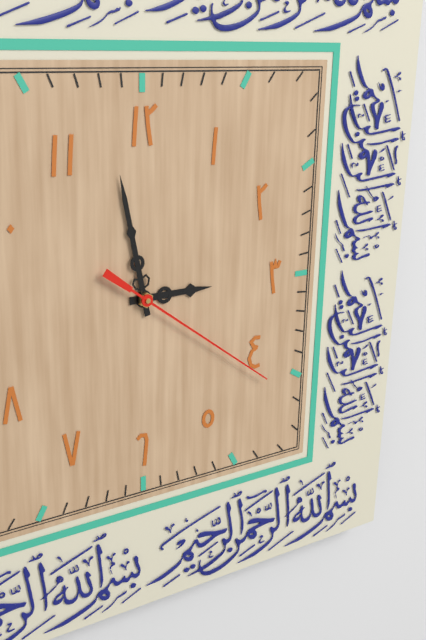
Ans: 2:58:21
